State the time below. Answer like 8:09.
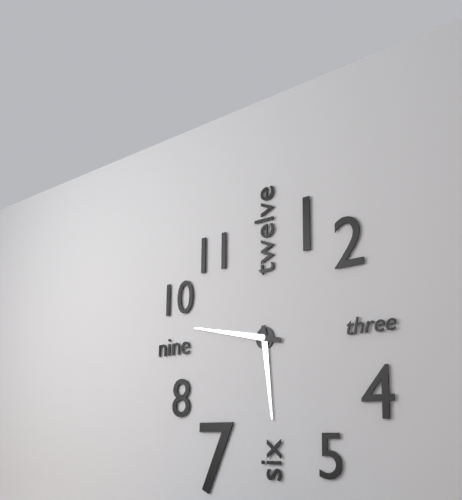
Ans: 5:47
